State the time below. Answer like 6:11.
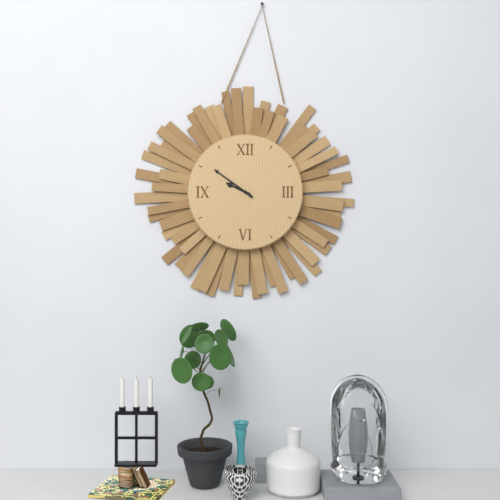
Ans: 9:51
